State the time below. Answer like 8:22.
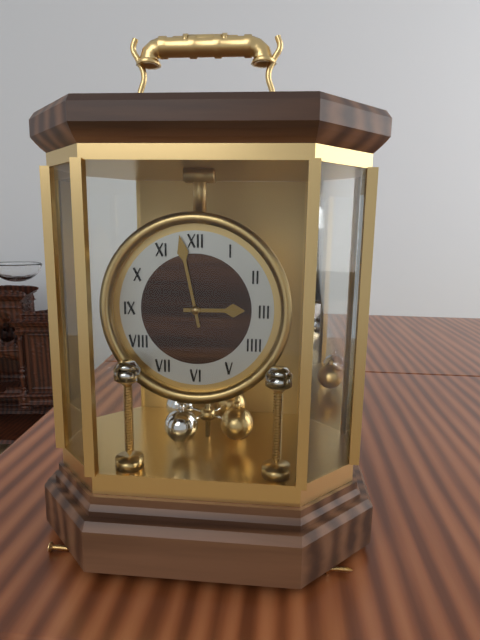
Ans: 2:58
